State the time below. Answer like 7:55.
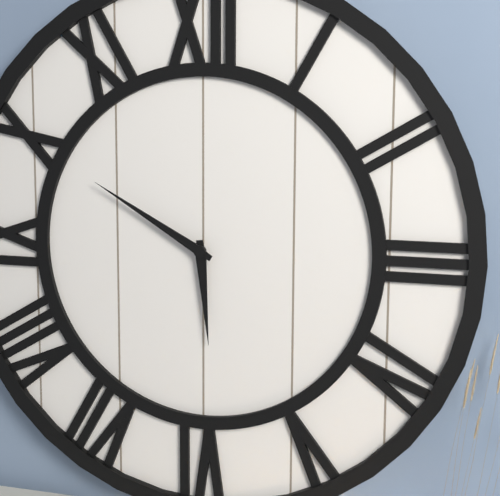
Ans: 5:50
